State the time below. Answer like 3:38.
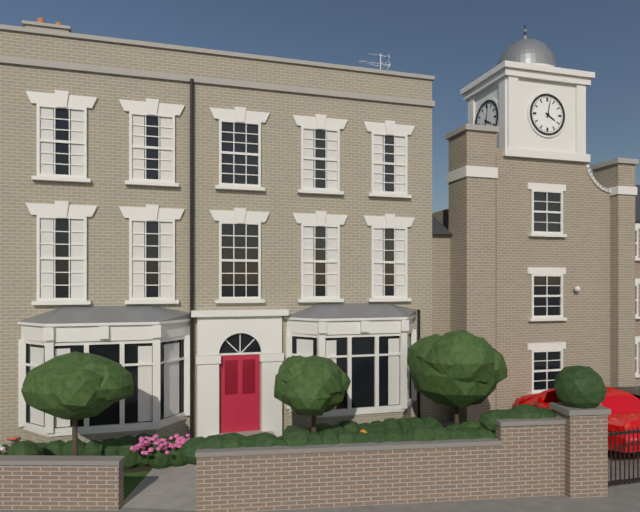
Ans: 4:02
